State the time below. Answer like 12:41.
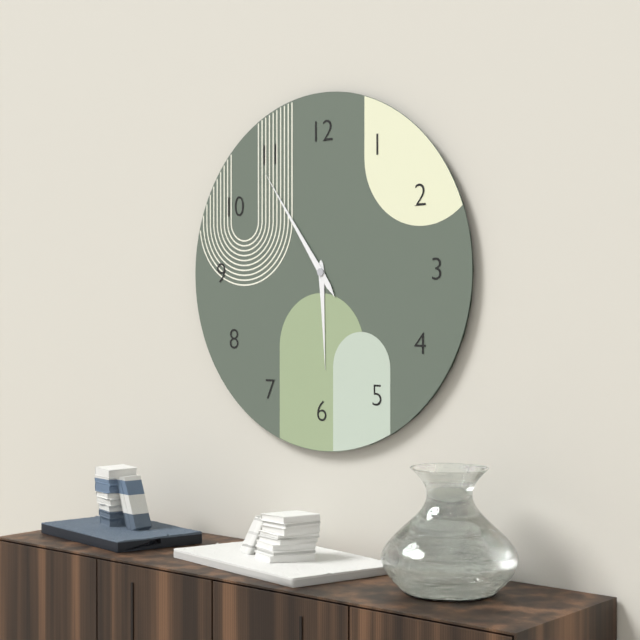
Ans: 5:54
